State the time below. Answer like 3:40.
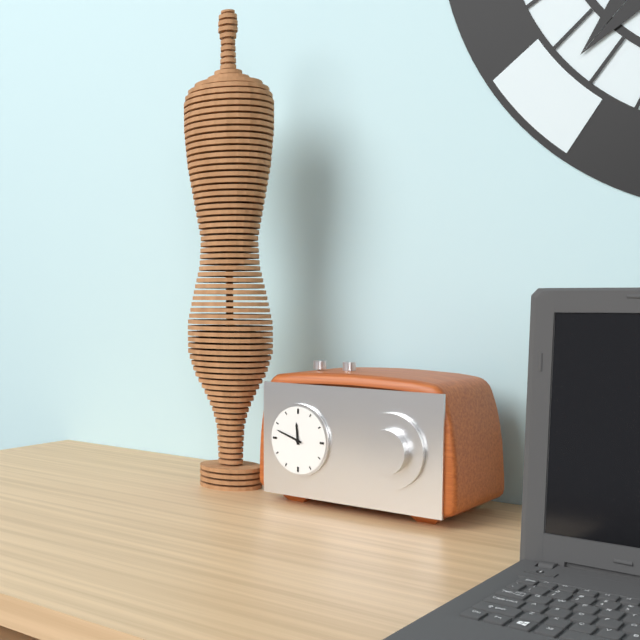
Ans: 11:48
